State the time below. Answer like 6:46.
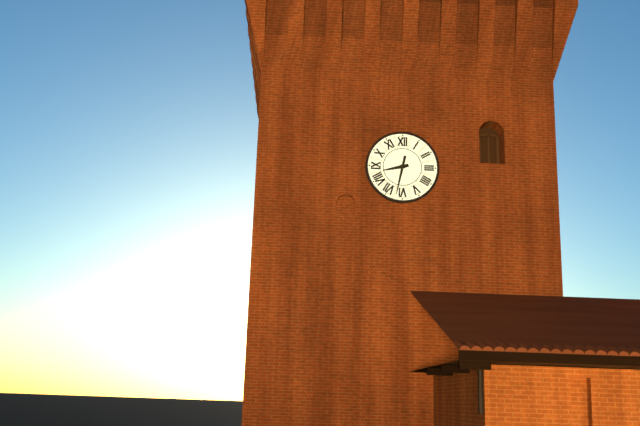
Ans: 8:32
